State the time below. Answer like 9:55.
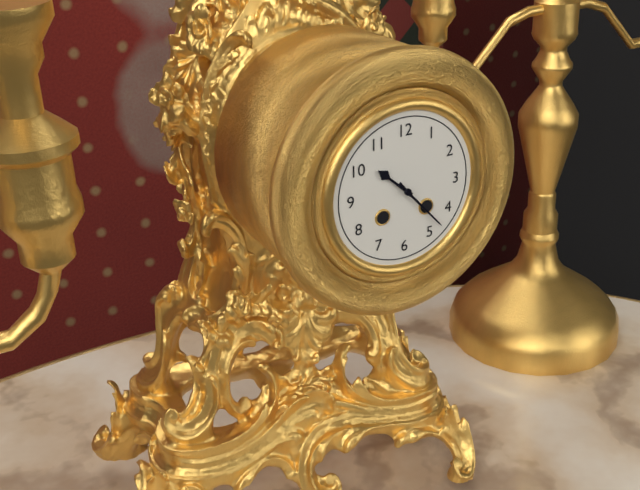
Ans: 10:23
